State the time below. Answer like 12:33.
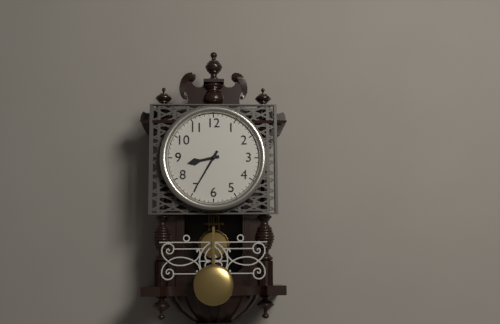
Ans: 8:35
